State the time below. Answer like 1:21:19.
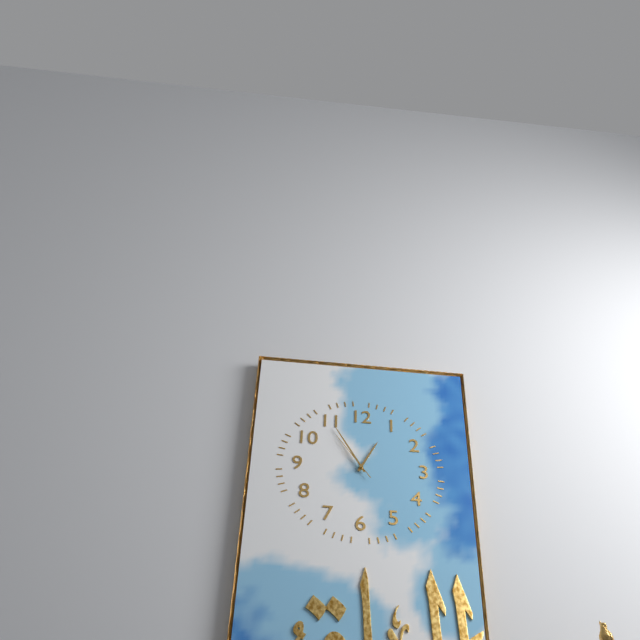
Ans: 12:55:54
